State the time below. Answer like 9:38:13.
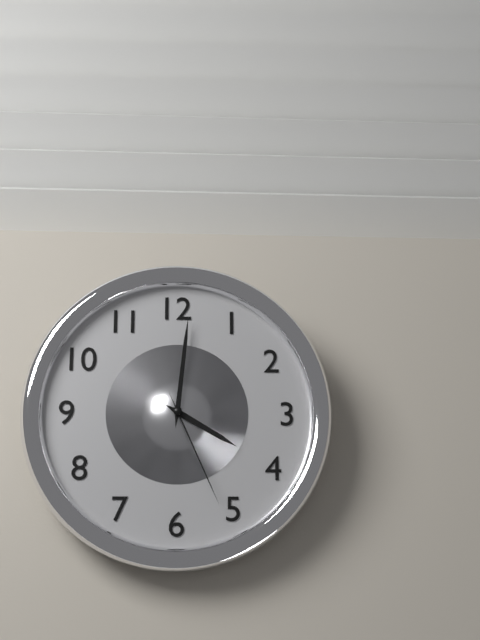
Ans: 4:01:26
